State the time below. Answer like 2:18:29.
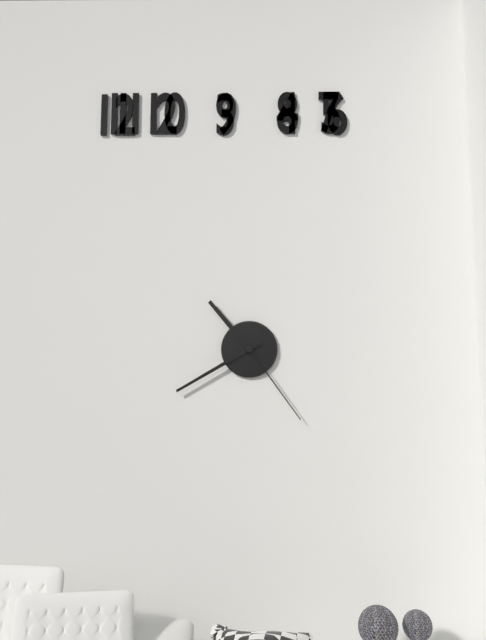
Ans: 10:40:24
